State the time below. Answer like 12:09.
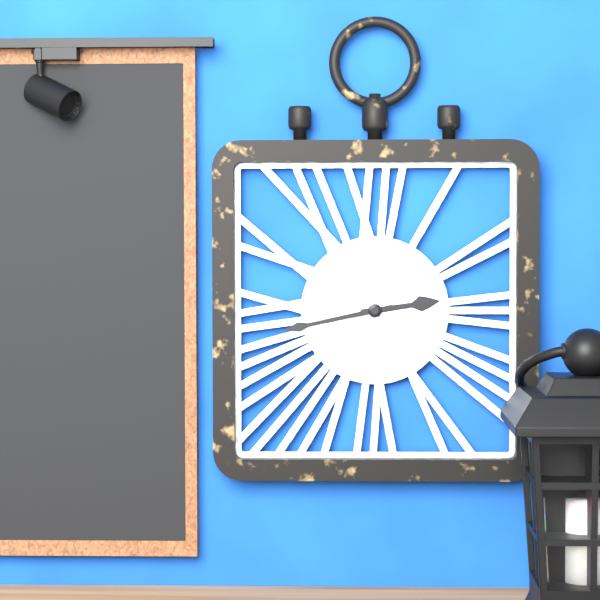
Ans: 2:43
